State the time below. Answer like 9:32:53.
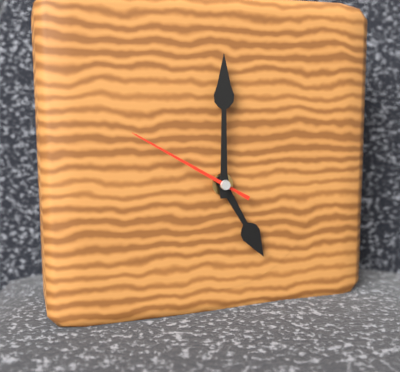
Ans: 5:00:50
